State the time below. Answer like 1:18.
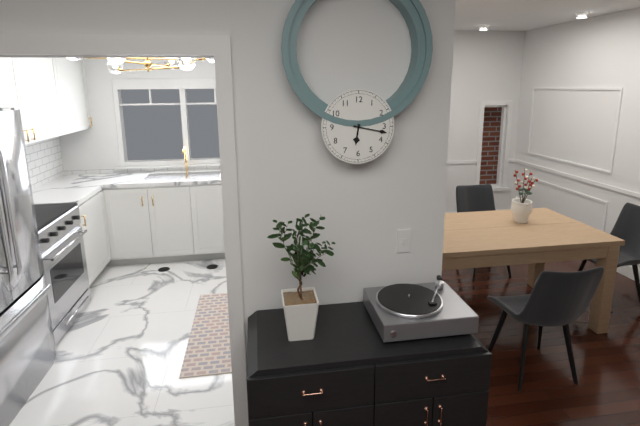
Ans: 6:17
